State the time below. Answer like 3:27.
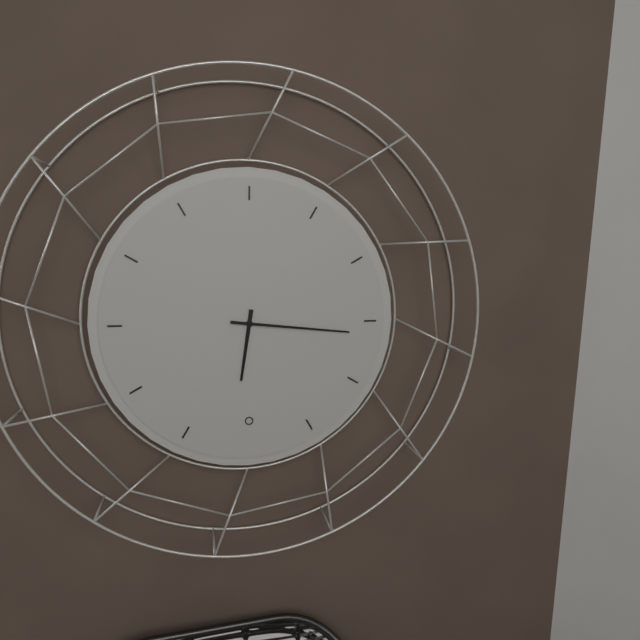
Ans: 6:16
